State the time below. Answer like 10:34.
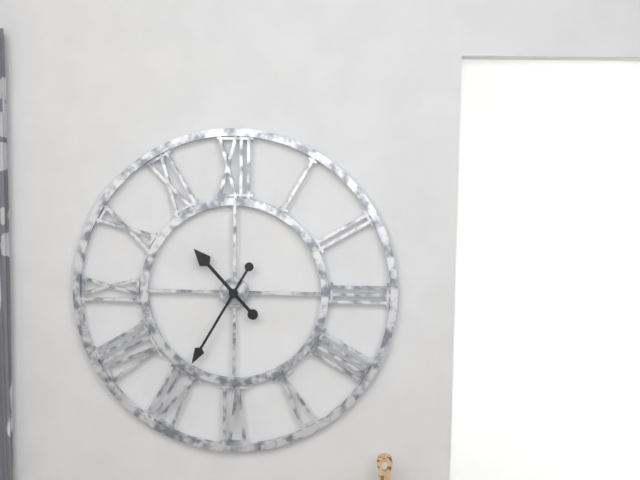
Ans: 10:35
